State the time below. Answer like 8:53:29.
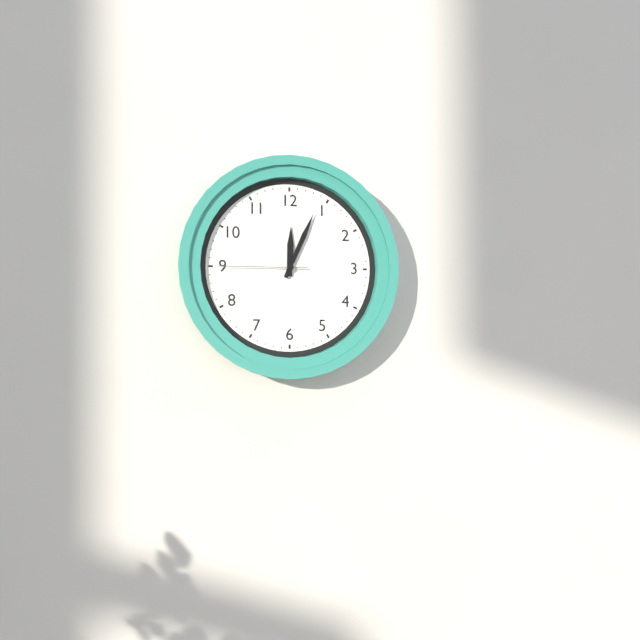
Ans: 12:04:45
